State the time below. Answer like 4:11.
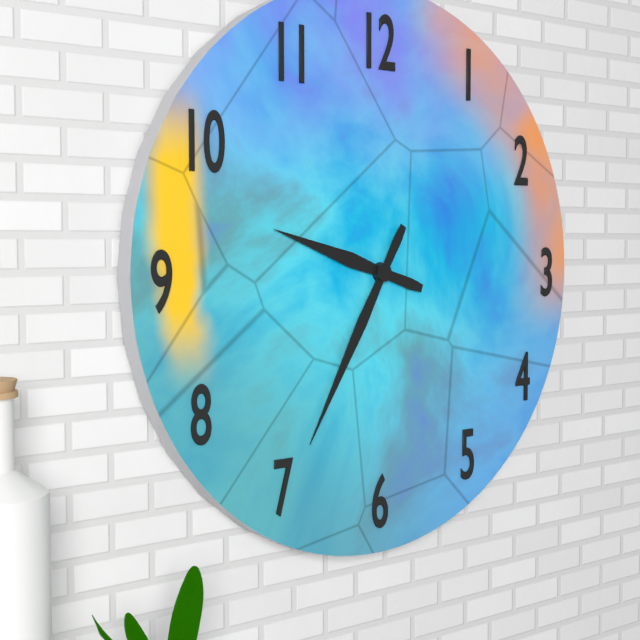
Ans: 9:35
